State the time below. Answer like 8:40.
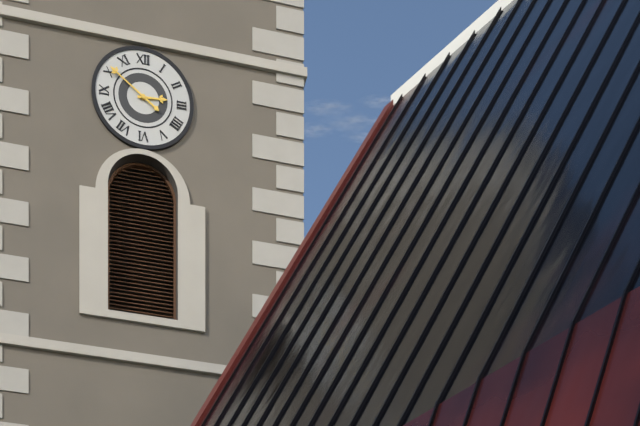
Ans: 2:51
